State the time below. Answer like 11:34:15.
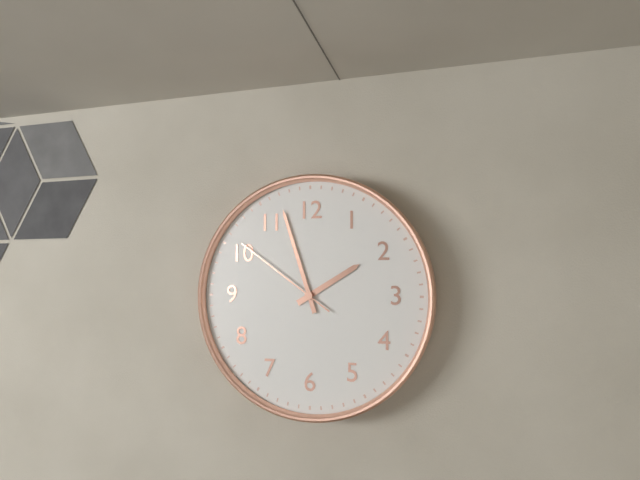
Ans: 1:57:51
